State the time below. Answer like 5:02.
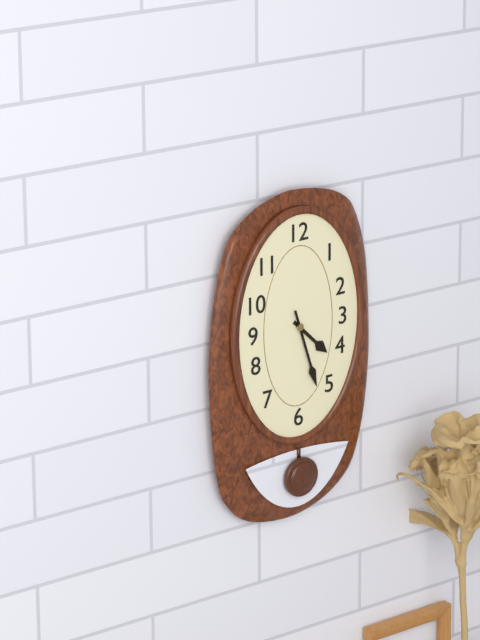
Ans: 4:27
